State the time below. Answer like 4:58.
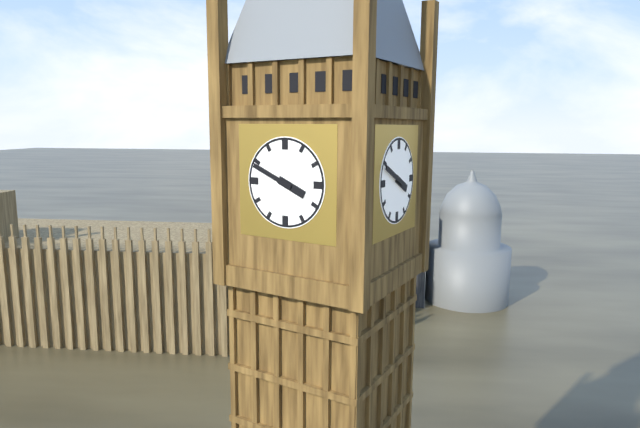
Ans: 3:49
